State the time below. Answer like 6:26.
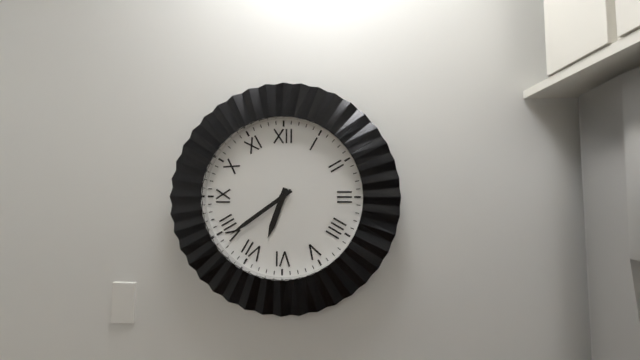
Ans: 6:39
